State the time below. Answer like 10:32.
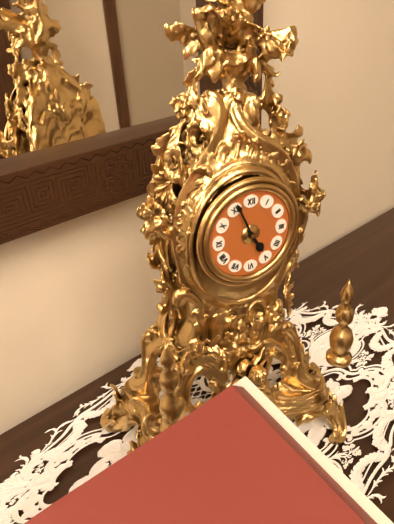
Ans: 4:56
